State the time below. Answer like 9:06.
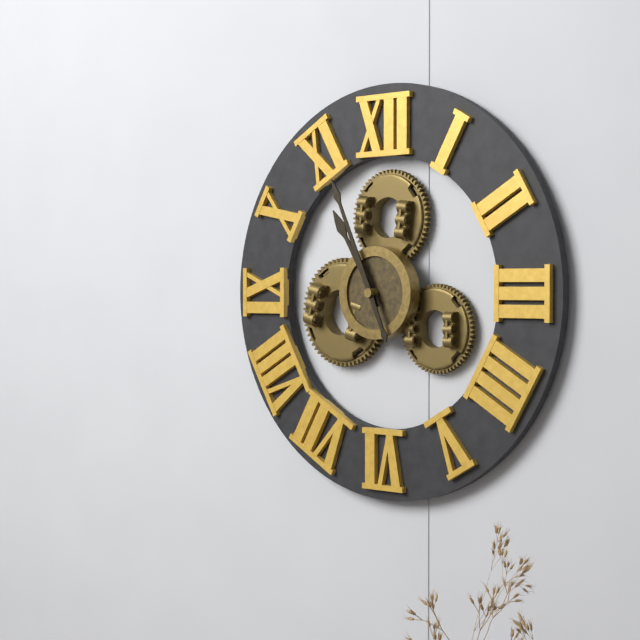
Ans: 10:56
